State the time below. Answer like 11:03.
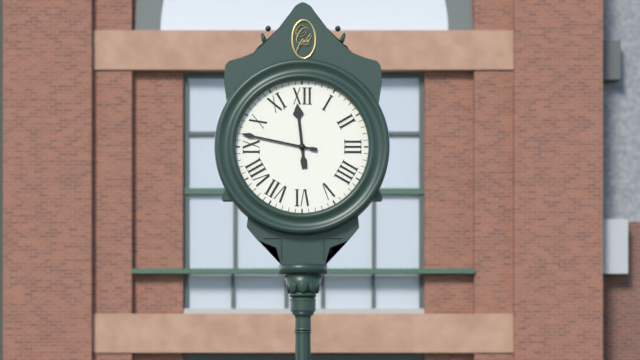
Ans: 11:47
